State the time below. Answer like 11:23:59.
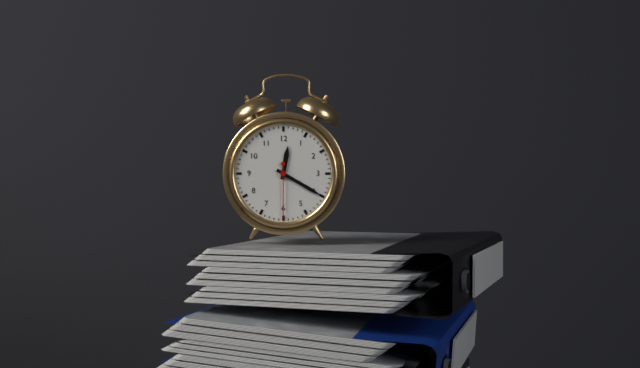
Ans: 12:20:30
